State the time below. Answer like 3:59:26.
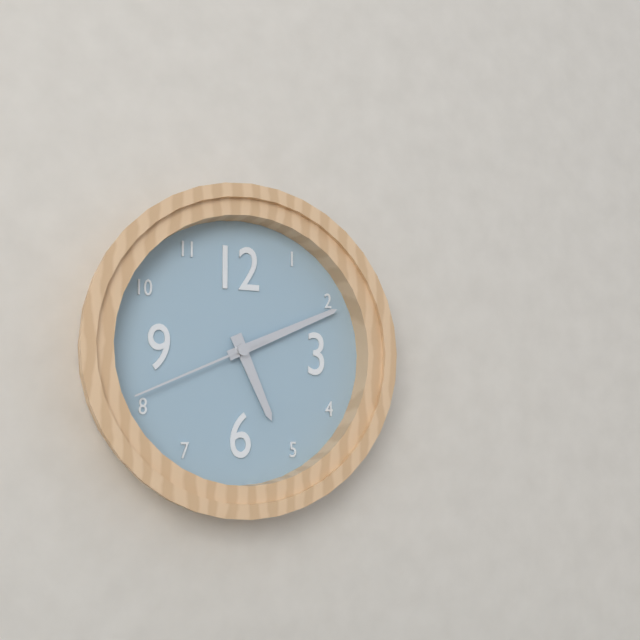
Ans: 5:11:41
